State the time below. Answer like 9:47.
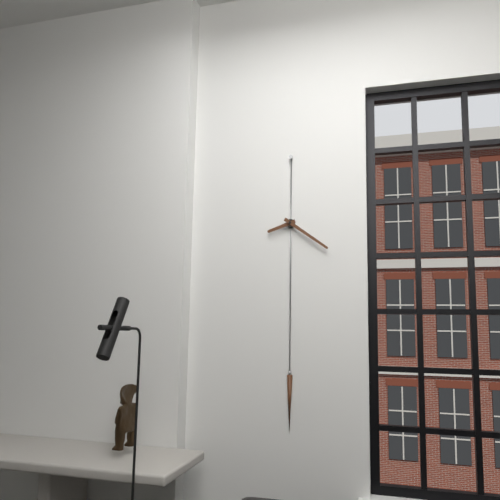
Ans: 8:21
